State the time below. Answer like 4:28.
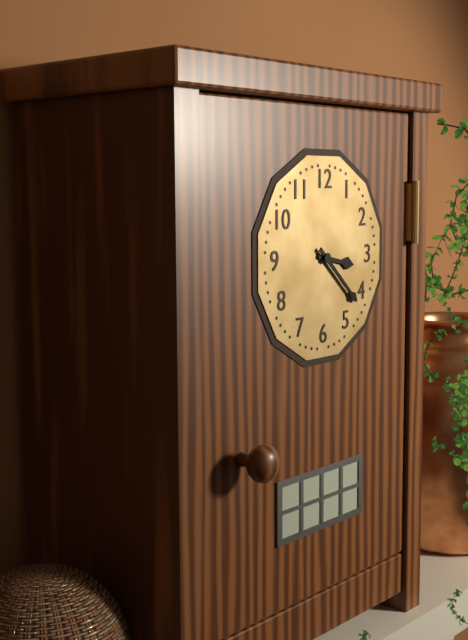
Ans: 3:22
